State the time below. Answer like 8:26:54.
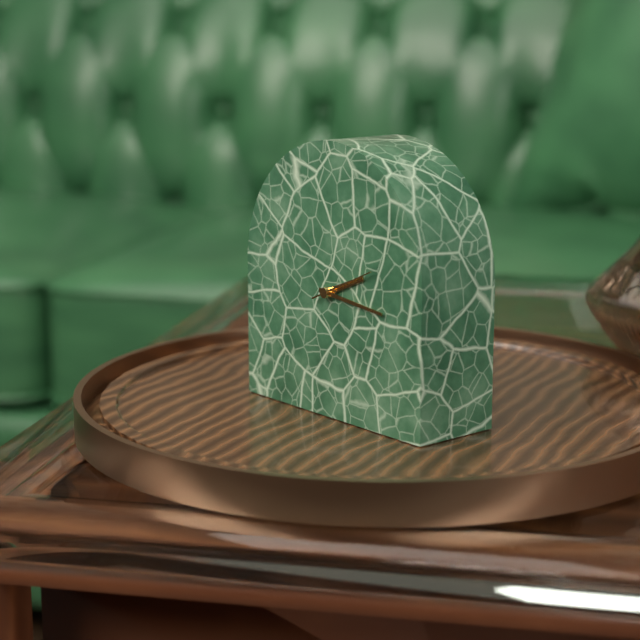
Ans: 2:16:11
